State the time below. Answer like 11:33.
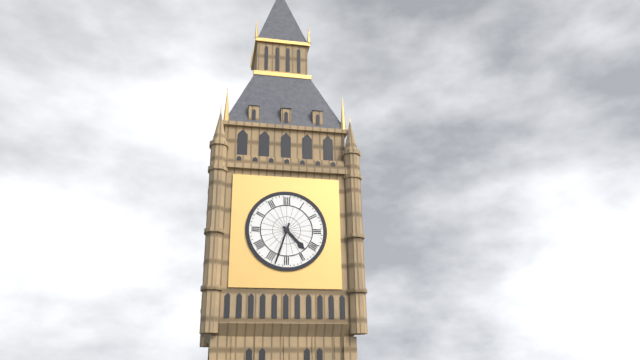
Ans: 4:33
